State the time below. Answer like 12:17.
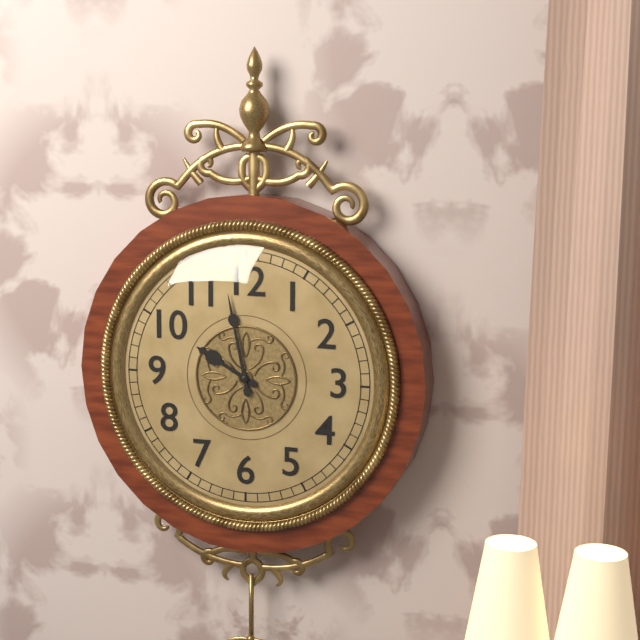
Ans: 9:58
